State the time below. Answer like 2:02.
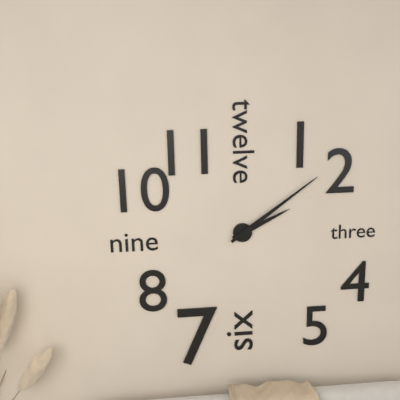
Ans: 2:09
